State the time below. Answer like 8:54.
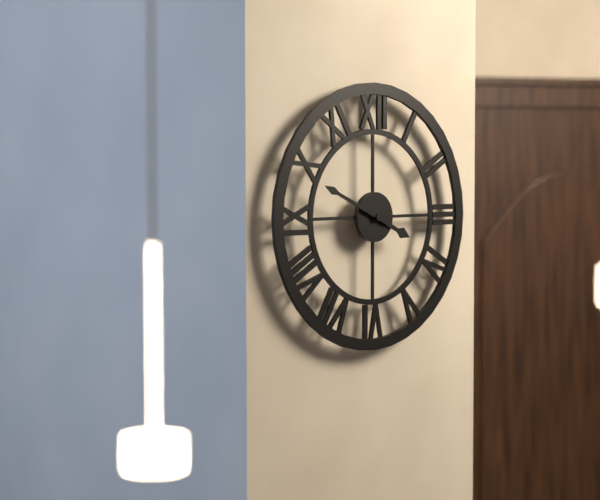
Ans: 3:49
